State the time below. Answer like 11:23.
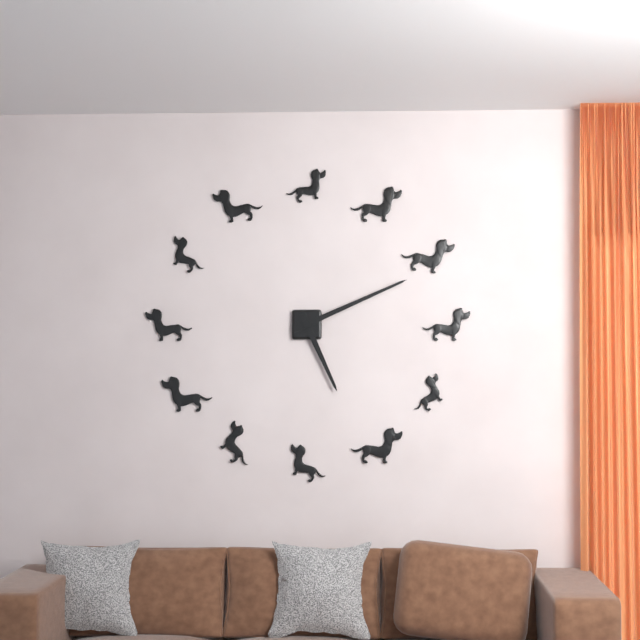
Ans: 5:11
